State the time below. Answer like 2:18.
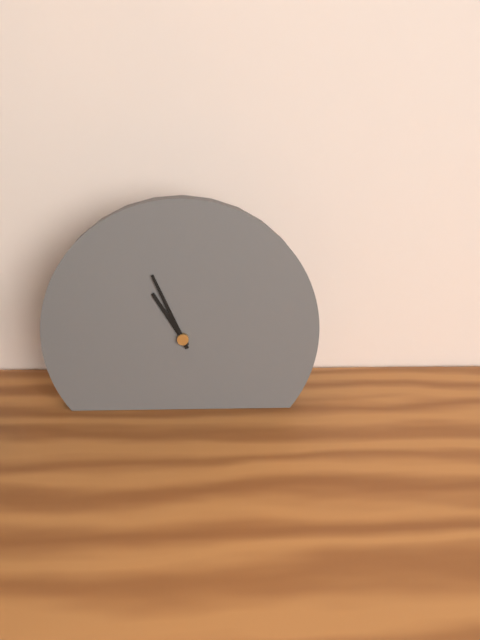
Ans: 10:56
